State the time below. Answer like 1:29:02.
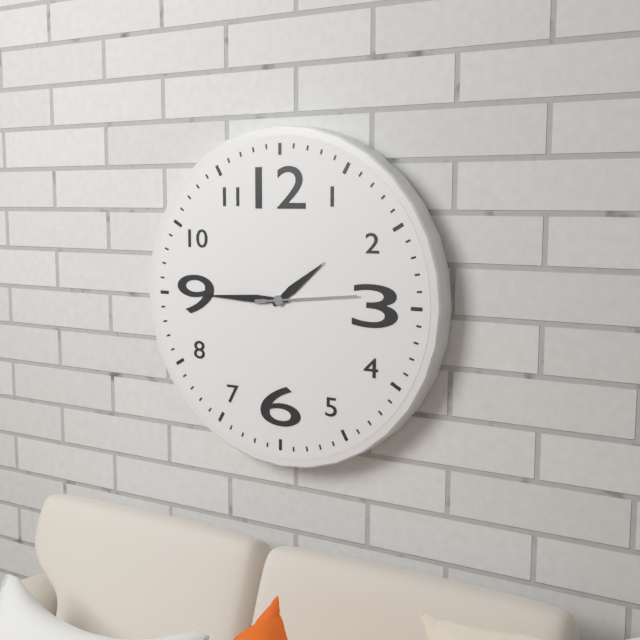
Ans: 1:45:14
